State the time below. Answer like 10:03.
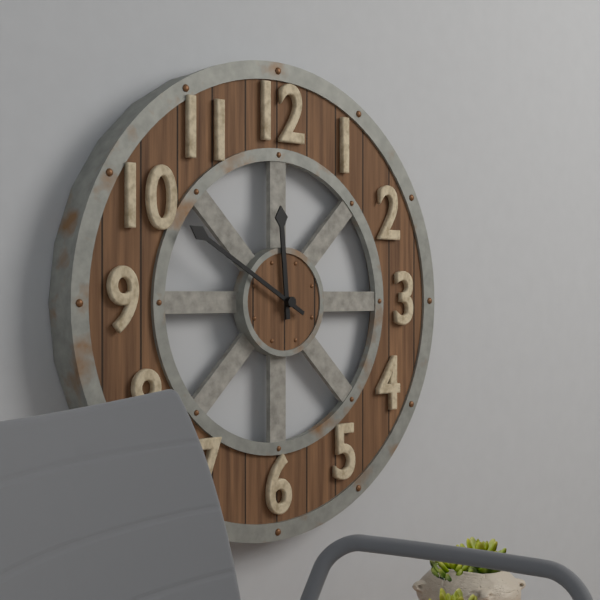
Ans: 11:50
